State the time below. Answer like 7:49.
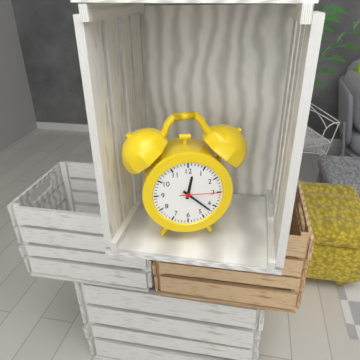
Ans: 12:22
